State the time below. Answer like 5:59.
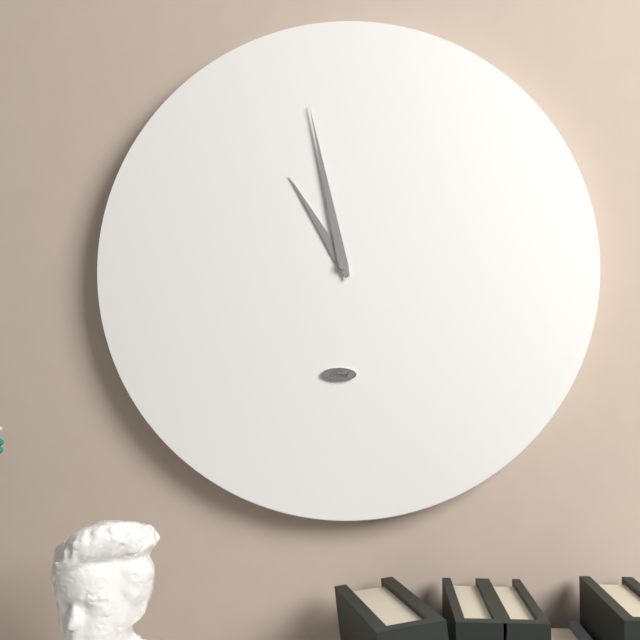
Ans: 10:58
